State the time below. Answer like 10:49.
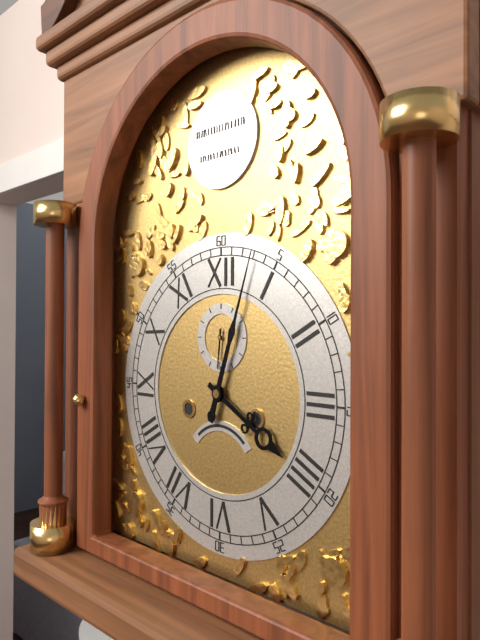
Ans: 4:03
